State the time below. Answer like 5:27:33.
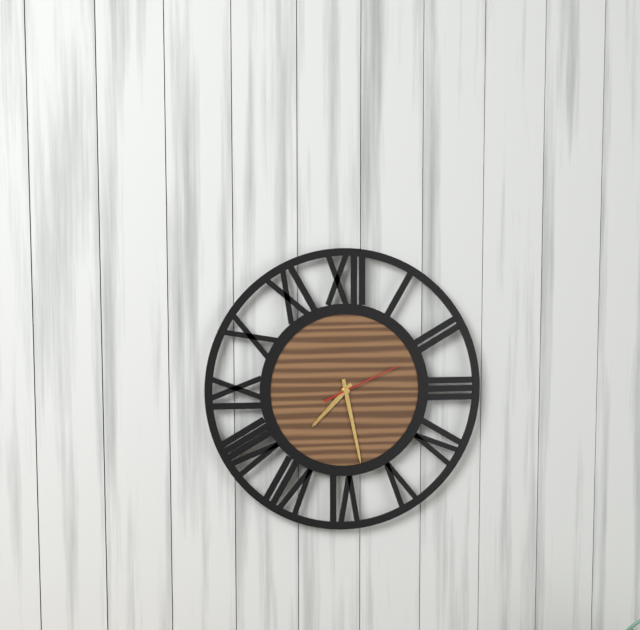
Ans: 7:28:11
